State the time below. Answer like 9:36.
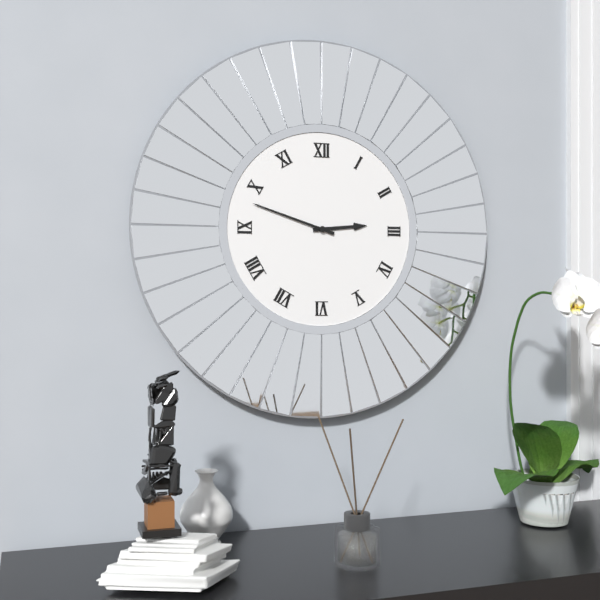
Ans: 2:48
